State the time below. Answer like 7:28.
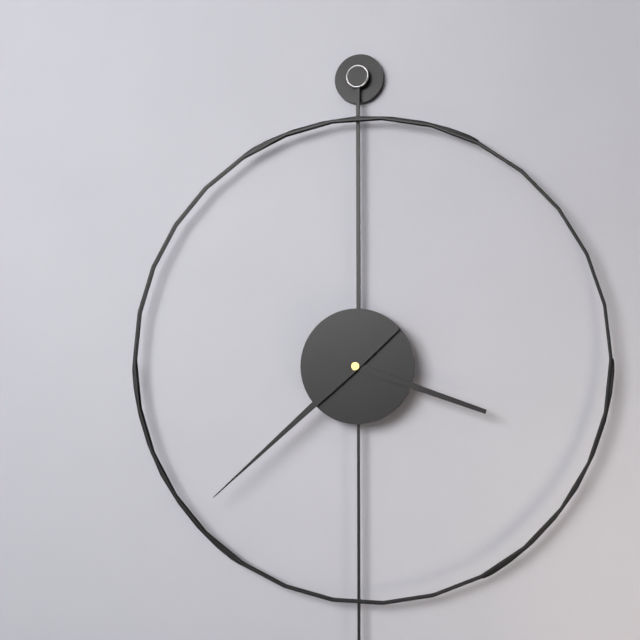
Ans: 3:38
